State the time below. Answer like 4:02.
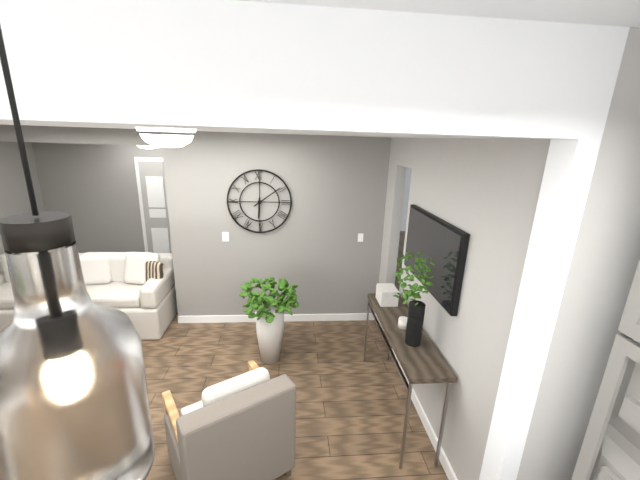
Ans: 6:09
